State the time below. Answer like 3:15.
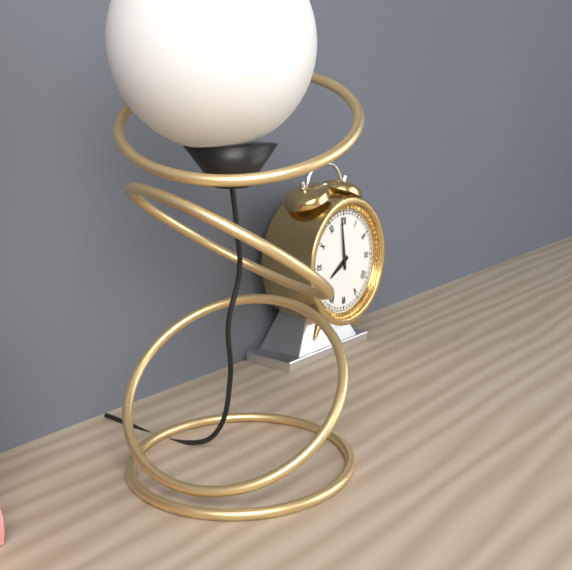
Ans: 7:59
